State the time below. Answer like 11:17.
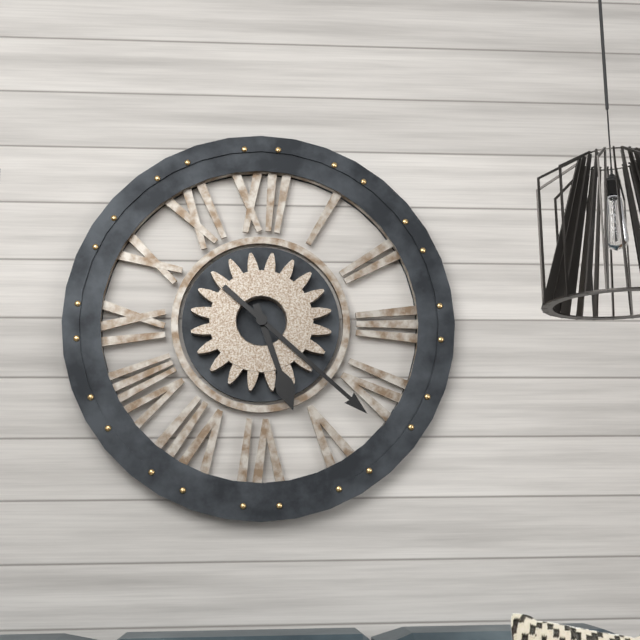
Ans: 5:22
